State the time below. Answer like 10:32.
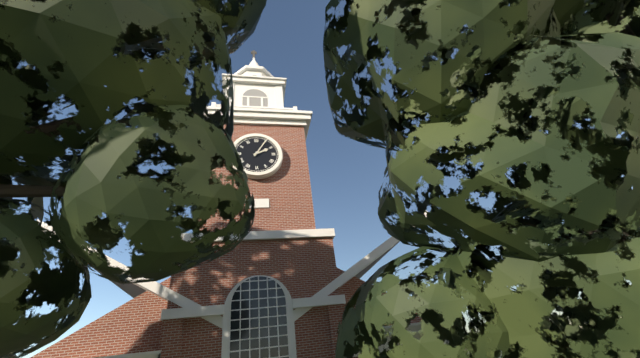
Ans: 2:05
